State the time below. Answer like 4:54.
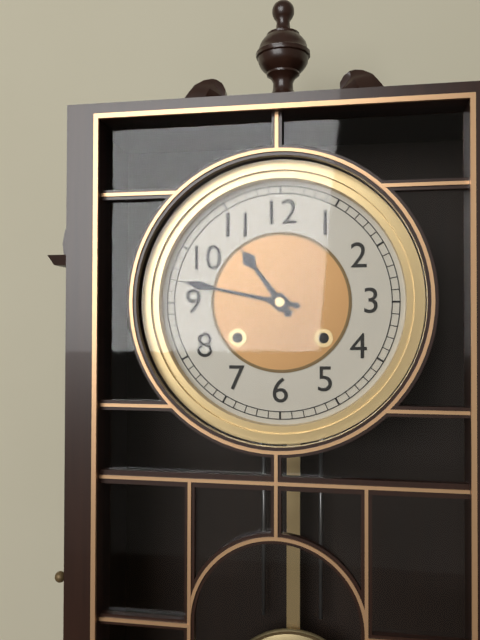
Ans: 10:47
